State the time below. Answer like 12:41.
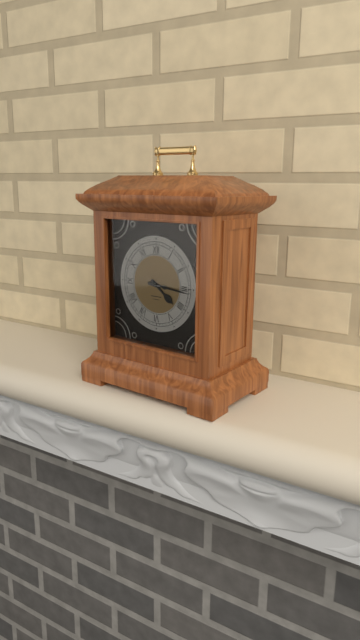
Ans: 4:16
